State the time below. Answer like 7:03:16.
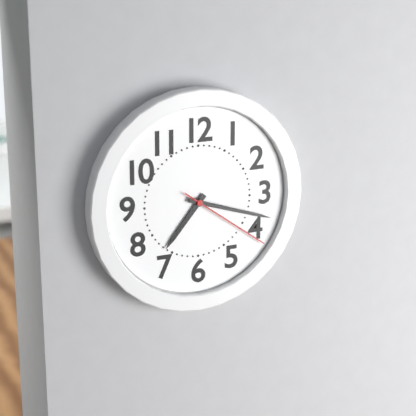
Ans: 7:18:21
